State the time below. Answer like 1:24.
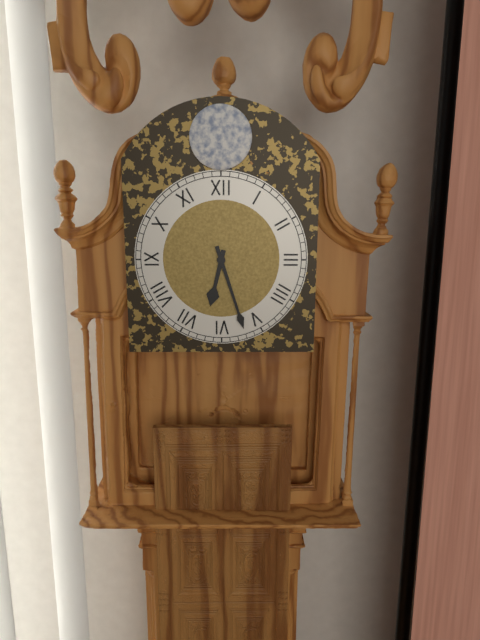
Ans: 6:27
